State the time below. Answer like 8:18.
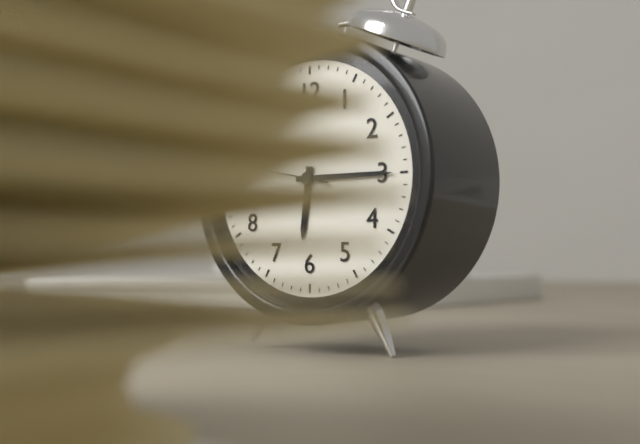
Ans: 6:15
